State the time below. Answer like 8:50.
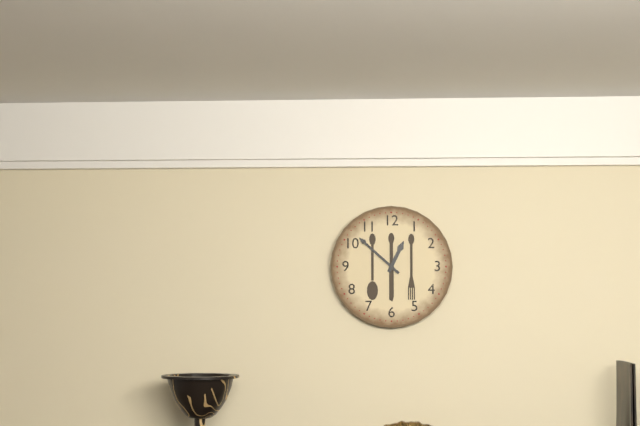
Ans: 12:52
